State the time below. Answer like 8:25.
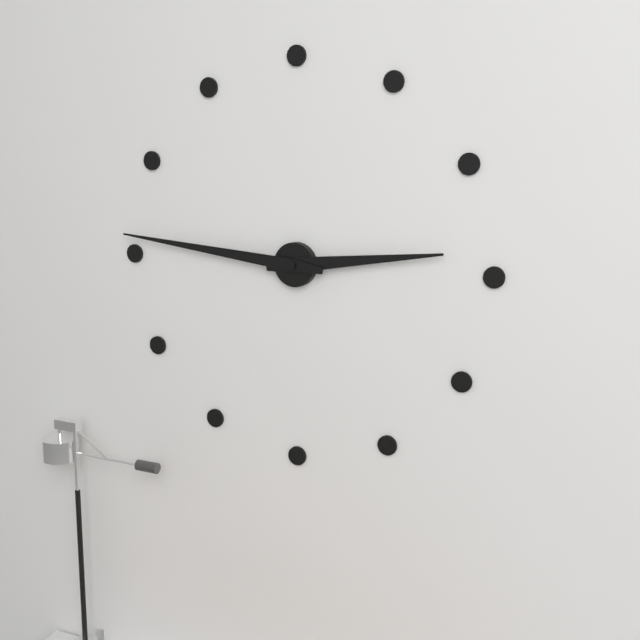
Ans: 2:46
